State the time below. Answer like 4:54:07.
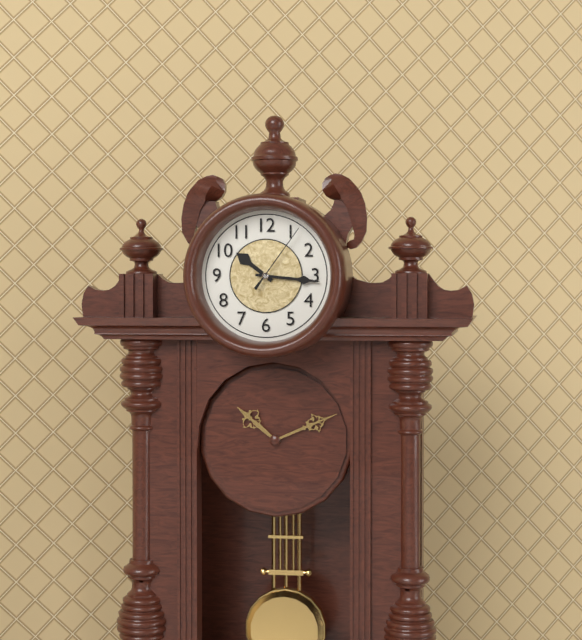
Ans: 10:16:06
